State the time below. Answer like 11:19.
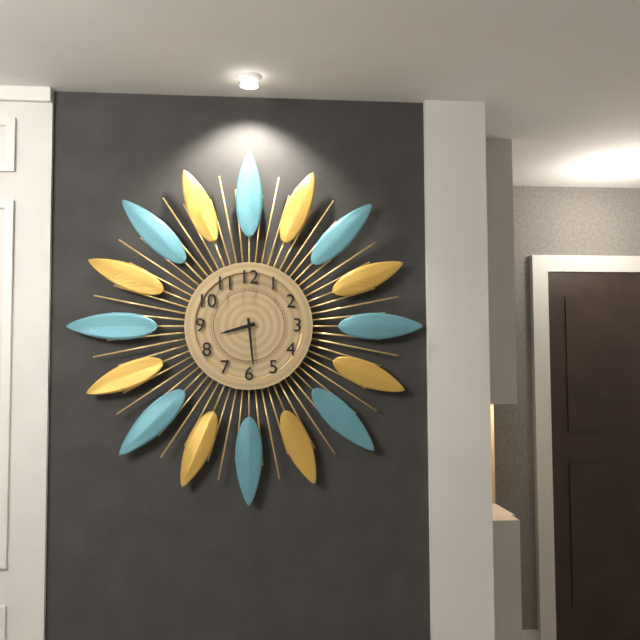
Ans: 8:29
